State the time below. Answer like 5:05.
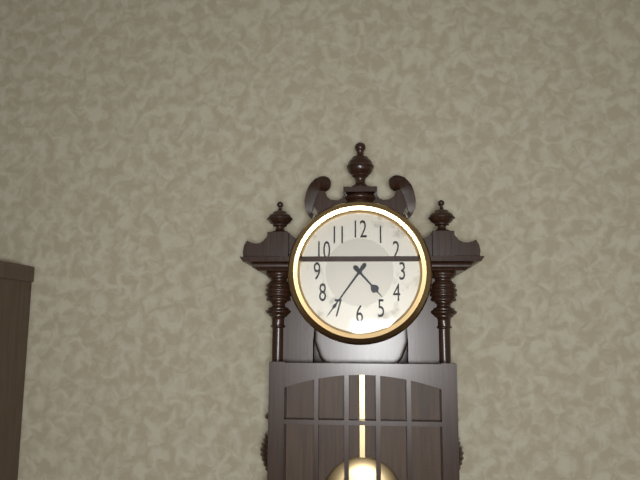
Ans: 4:36
